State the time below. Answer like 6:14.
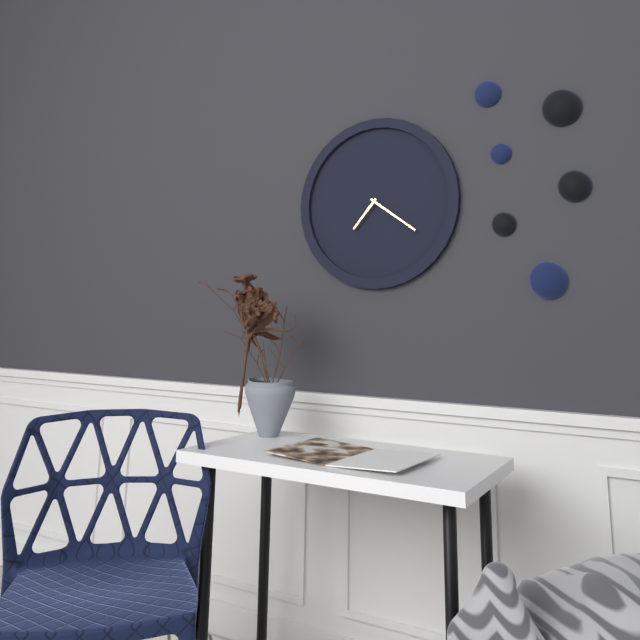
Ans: 7:21
